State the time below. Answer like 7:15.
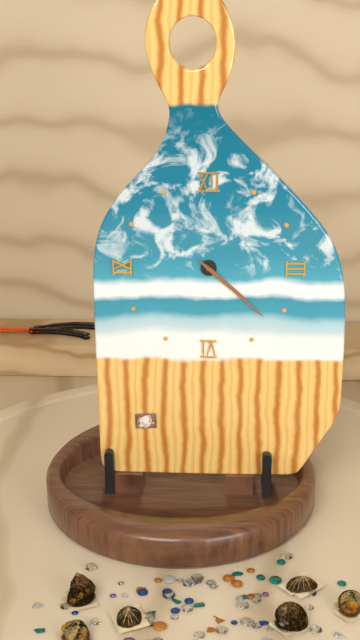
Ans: 4:22
